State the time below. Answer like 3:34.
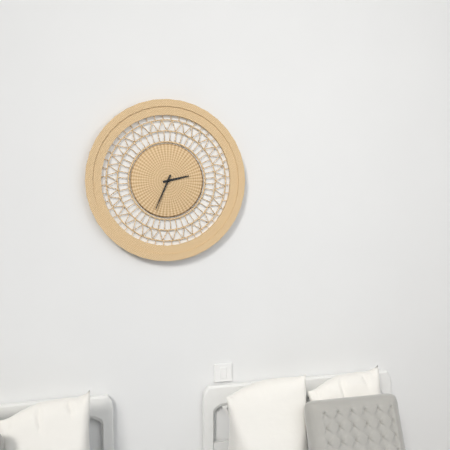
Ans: 2:34
